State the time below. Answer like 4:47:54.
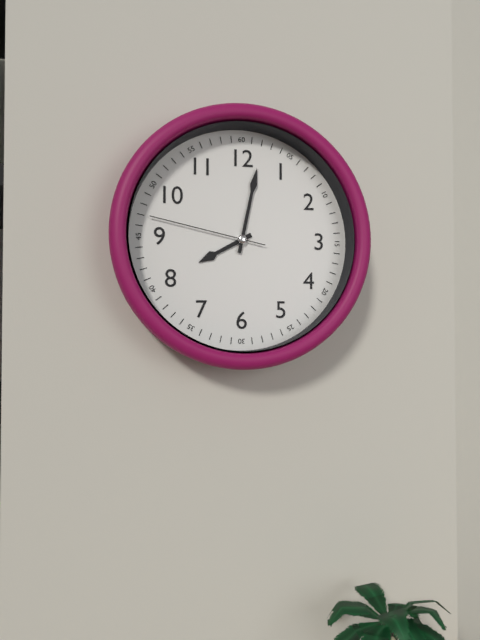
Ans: 8:02:47
